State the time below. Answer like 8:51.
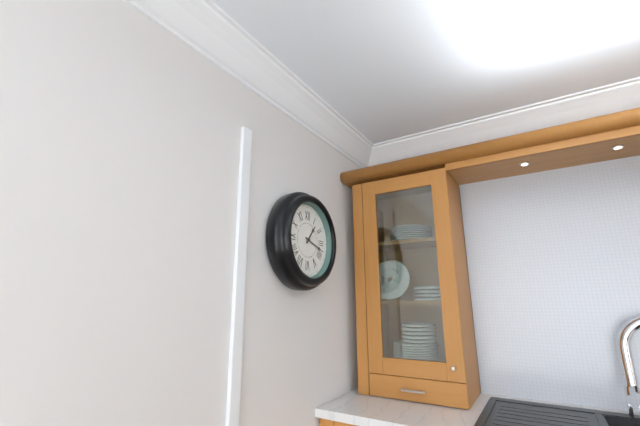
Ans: 1:18
